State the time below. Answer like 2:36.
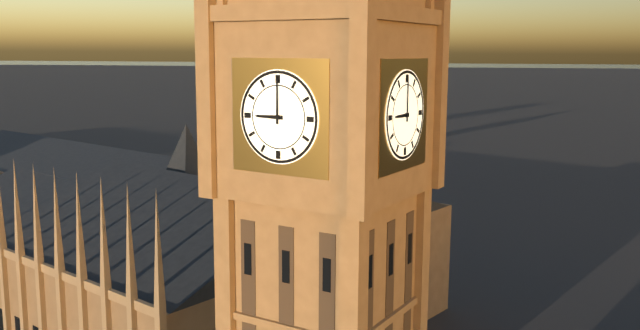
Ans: 9:00
